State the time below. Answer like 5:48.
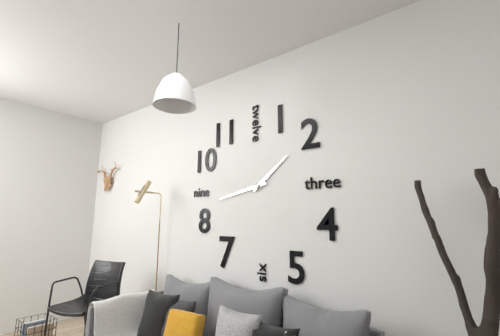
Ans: 1:43
